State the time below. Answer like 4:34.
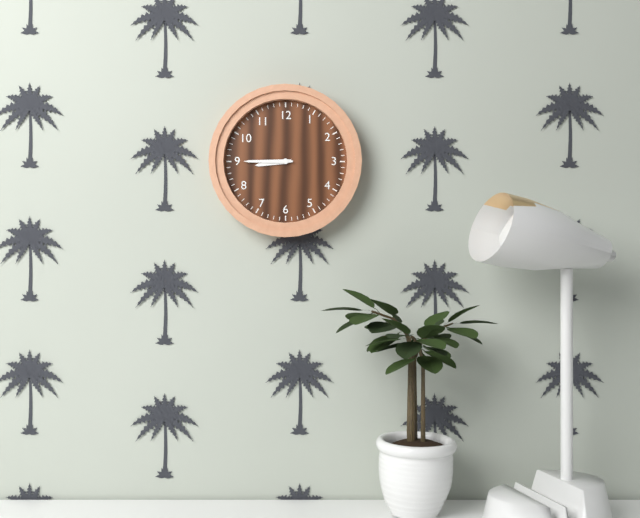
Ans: 8:45
